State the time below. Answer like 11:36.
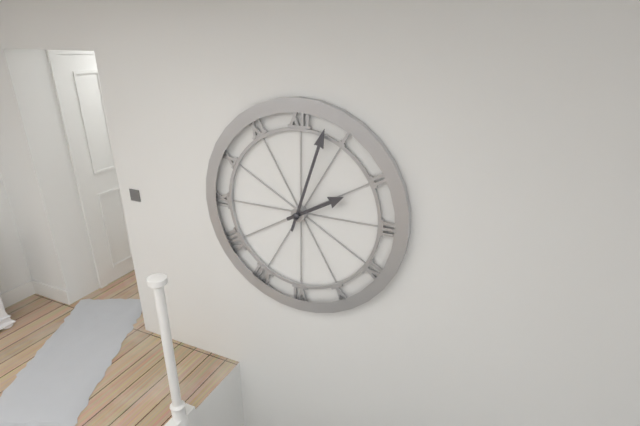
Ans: 2:03
